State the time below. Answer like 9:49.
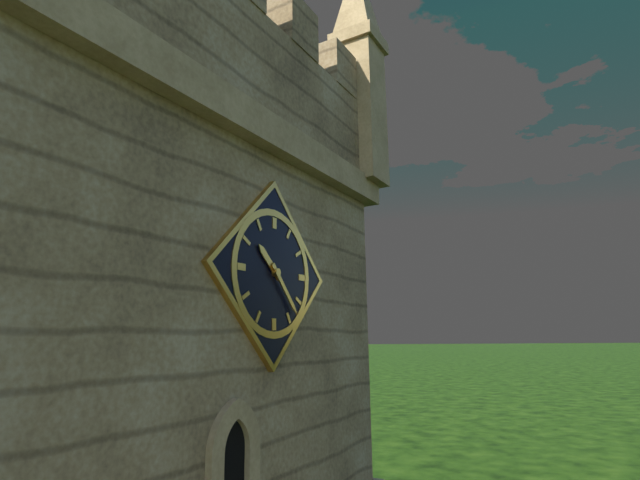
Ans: 10:23
